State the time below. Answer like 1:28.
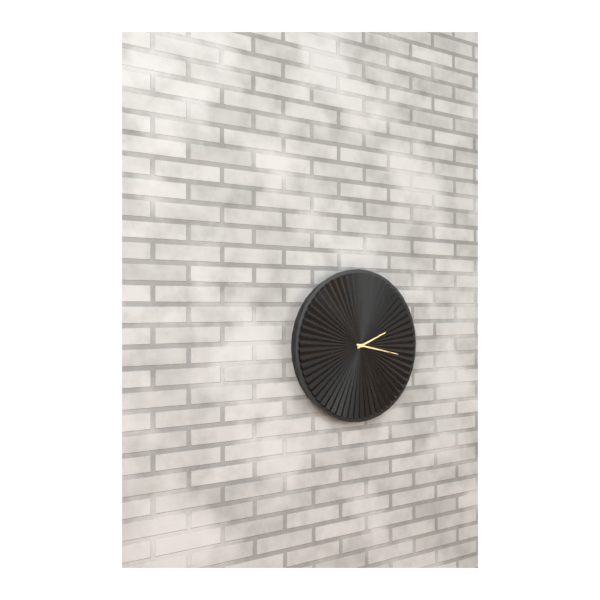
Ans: 2:17
